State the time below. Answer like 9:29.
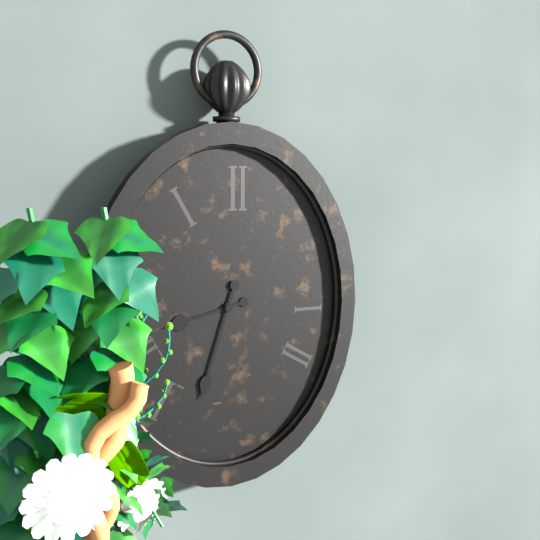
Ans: 8:33
